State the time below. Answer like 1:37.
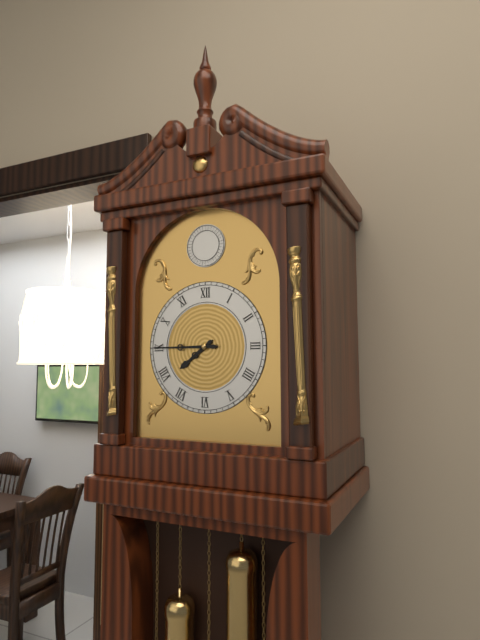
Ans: 7:45
